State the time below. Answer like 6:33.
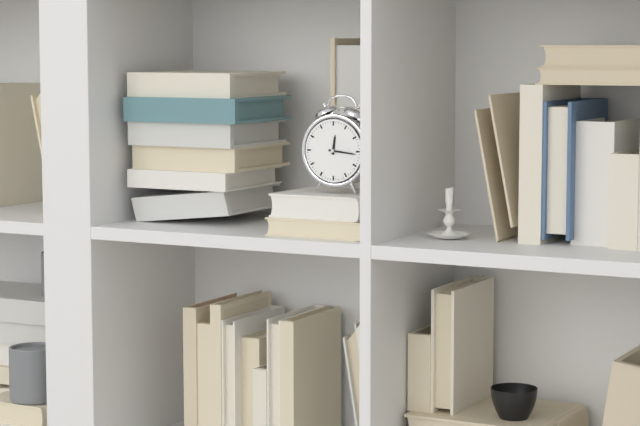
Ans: 12:16
